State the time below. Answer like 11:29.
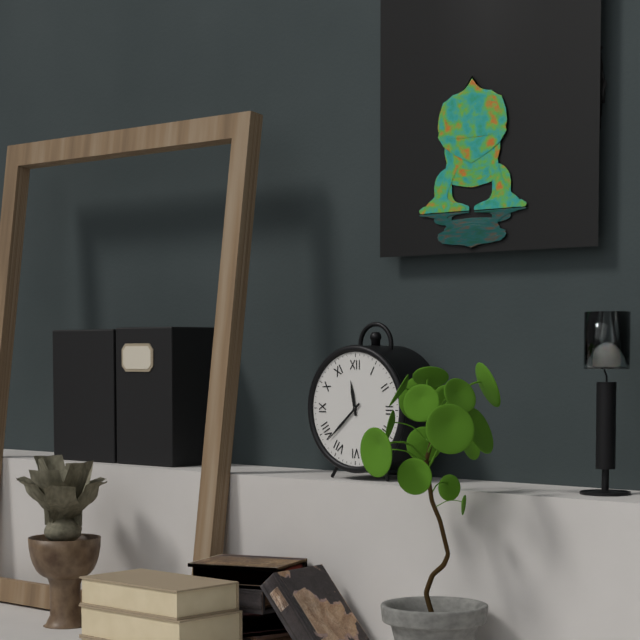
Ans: 11:38
